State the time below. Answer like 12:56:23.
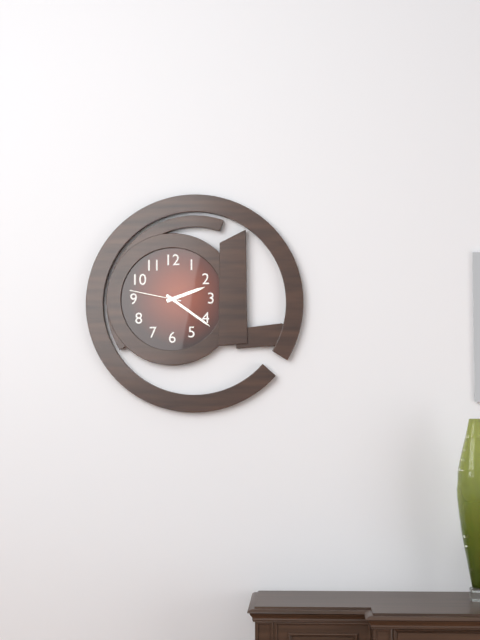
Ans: 2:21:47
